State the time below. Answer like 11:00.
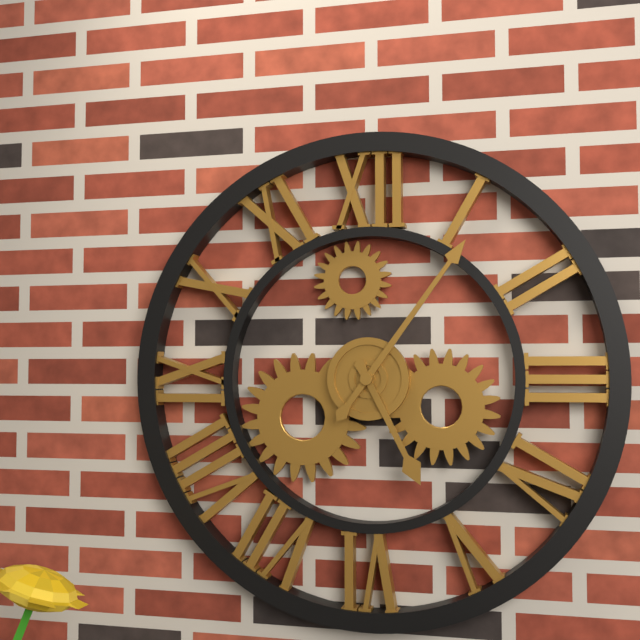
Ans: 5:06
